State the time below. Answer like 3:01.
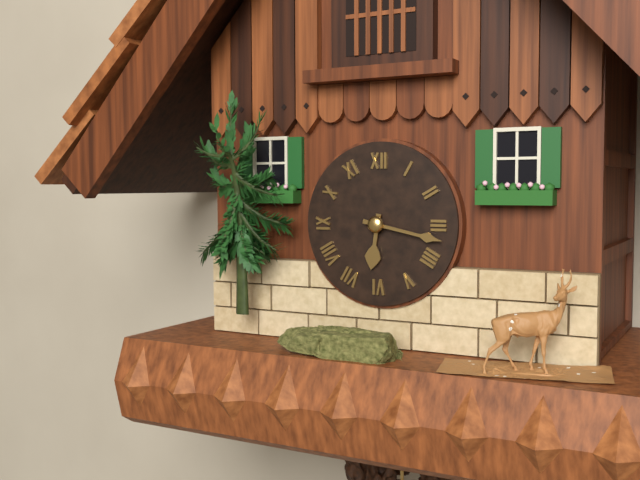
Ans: 6:17
